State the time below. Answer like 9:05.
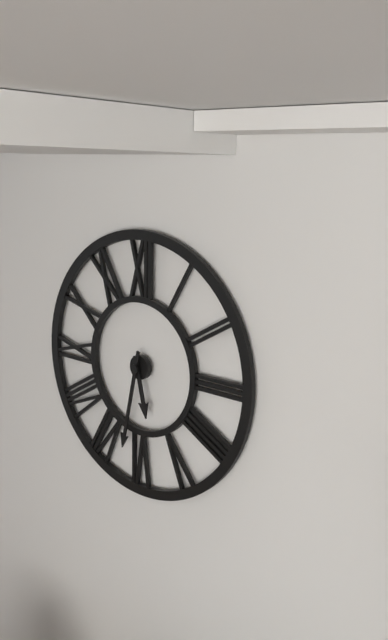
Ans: 5:32
